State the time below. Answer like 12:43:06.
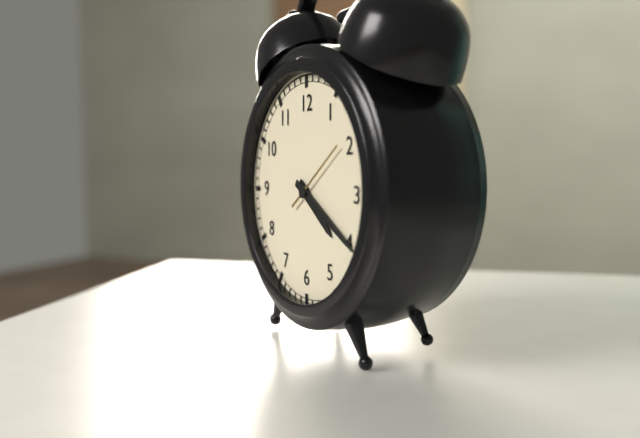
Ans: 4:20:09
